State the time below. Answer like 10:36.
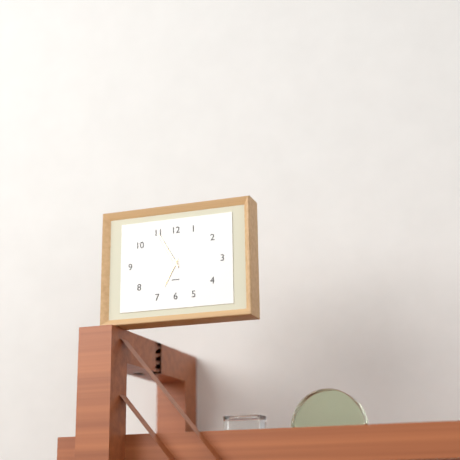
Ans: 6:55
